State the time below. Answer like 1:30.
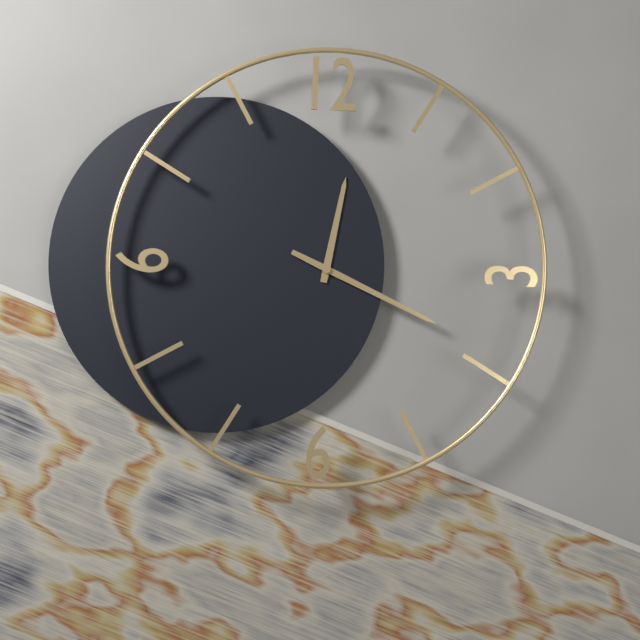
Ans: 12:19
